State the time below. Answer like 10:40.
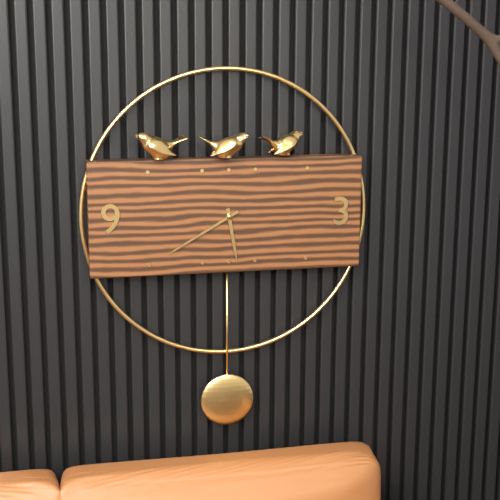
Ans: 5:40
